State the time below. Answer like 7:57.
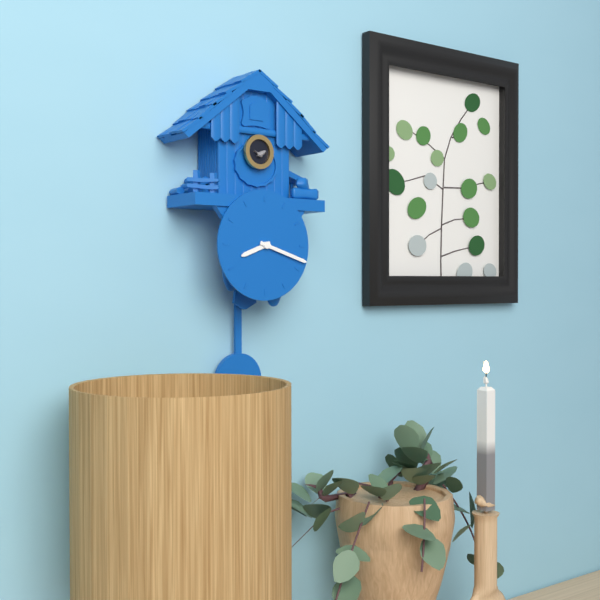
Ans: 8:18
